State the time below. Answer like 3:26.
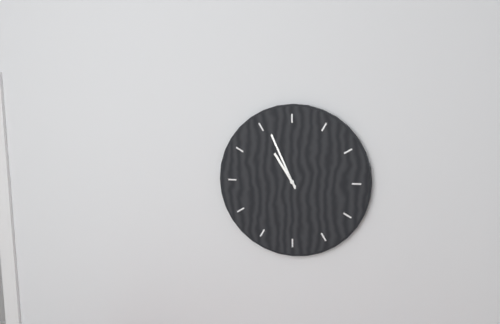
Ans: 10:56
